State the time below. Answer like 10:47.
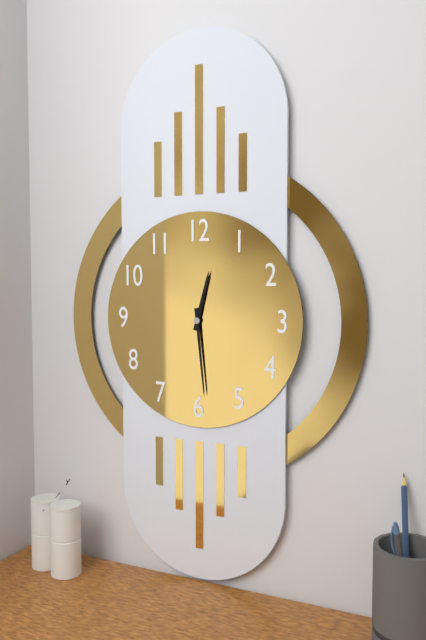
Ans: 12:29
